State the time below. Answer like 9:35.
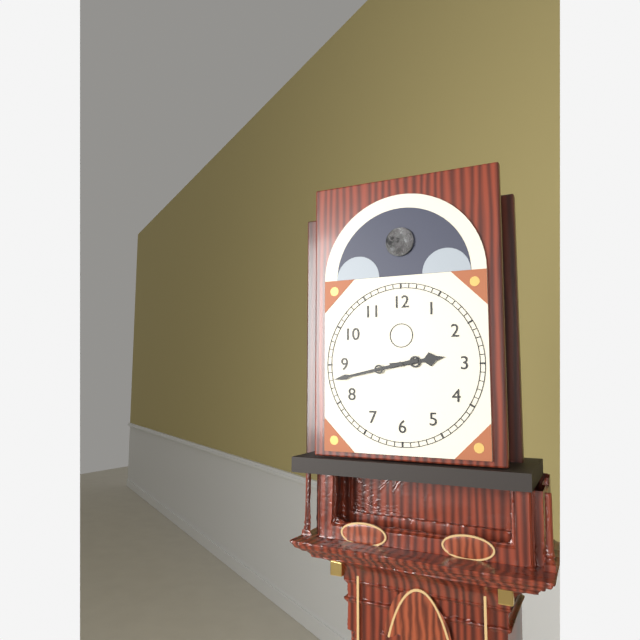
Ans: 2:43
